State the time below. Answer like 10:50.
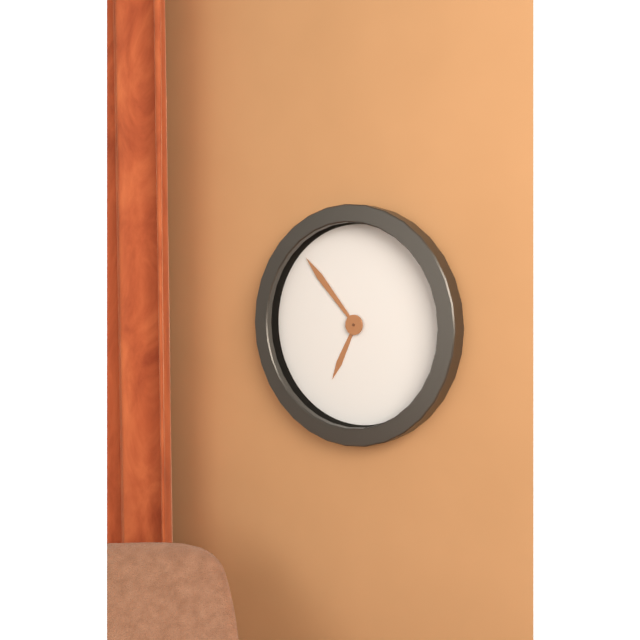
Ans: 6:53
